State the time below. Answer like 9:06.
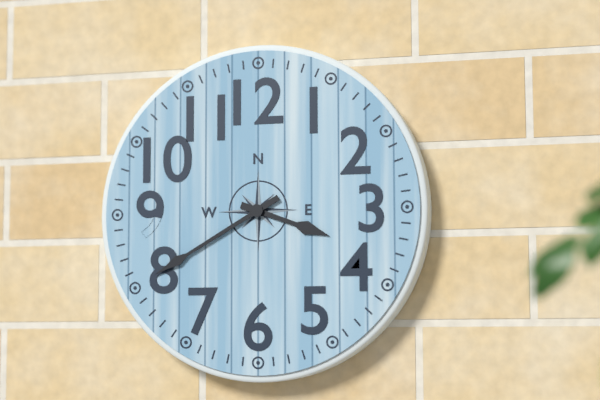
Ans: 3:40
